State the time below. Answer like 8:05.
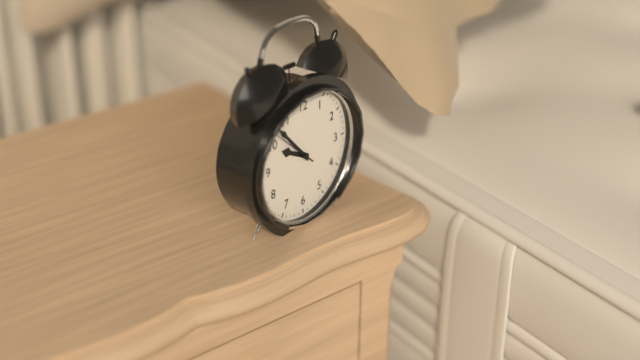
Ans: 9:53
